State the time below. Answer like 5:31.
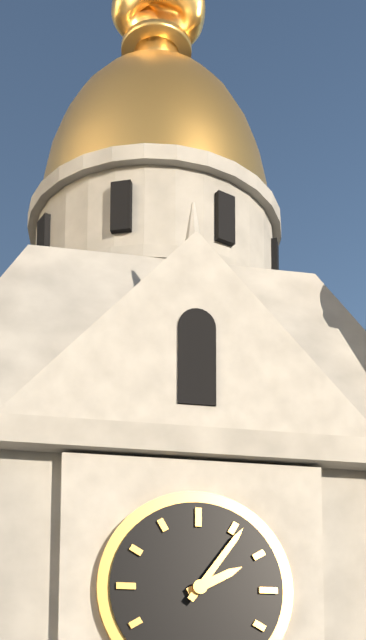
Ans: 2:06
